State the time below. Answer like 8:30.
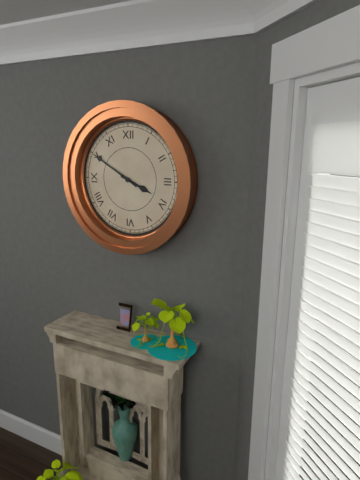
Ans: 3:50
